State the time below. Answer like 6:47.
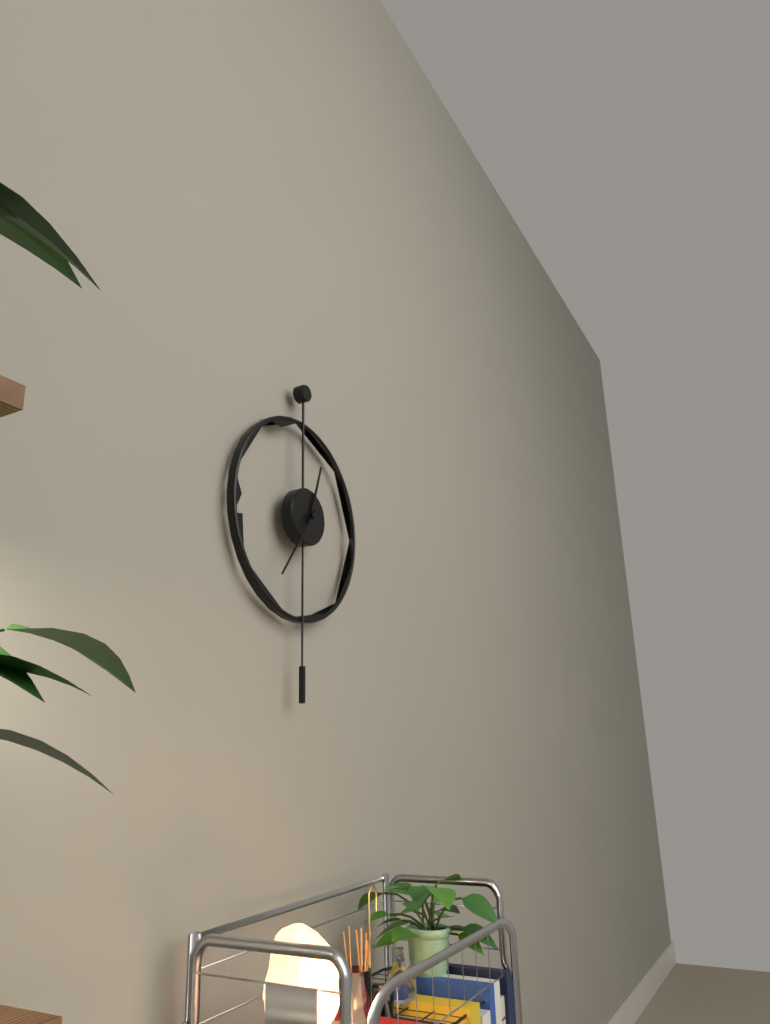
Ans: 12:36
